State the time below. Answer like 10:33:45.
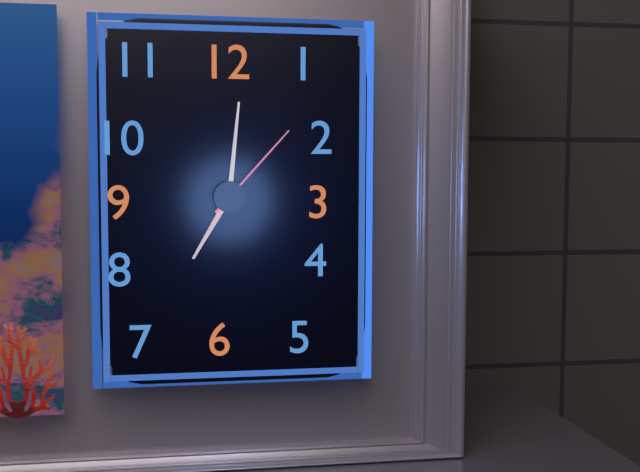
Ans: 7:01:07
